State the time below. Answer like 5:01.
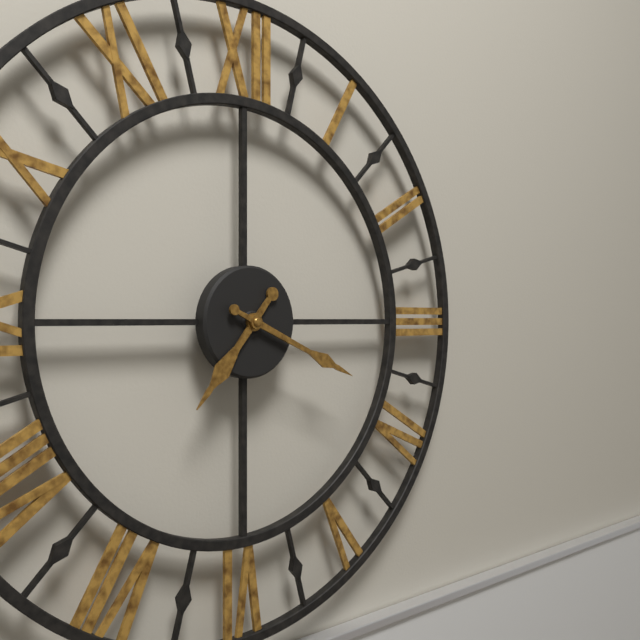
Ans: 7:19
